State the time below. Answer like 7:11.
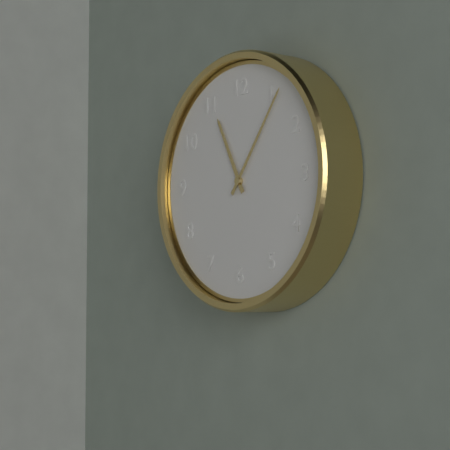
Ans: 11:06
